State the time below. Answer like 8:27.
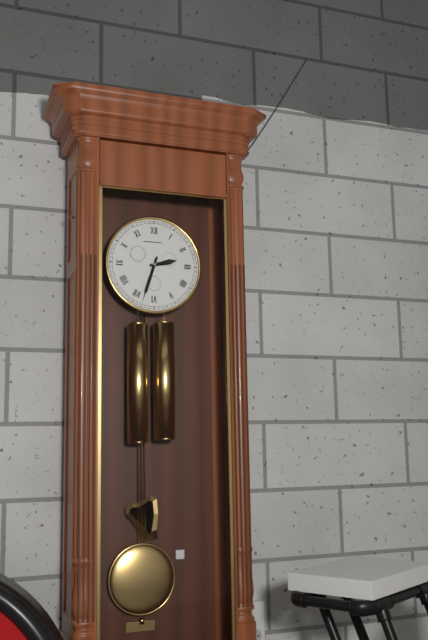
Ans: 2:33
